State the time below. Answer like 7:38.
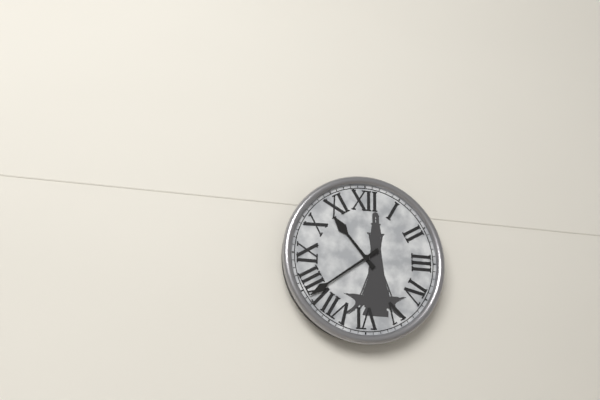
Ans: 10:39
